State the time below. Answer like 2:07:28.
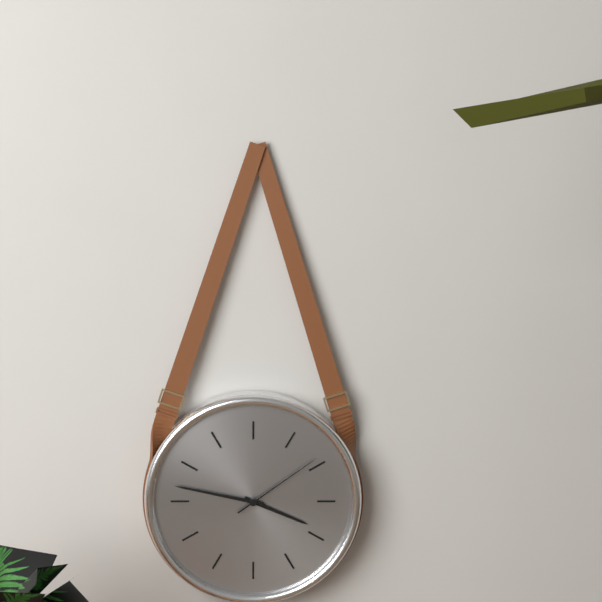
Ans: 3:47:09
